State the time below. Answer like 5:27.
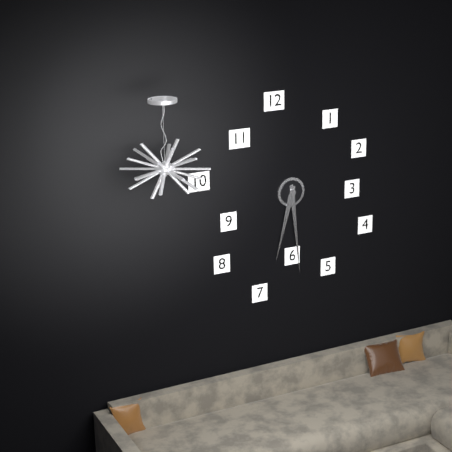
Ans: 6:29
